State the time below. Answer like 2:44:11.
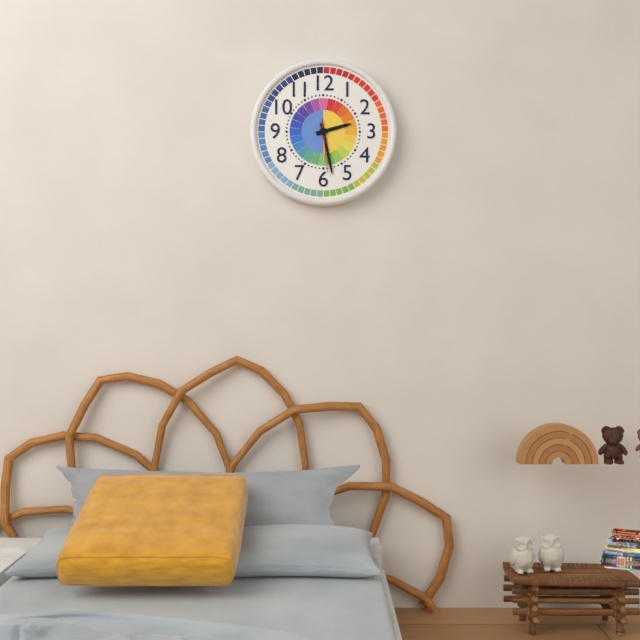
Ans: 2:28:29
